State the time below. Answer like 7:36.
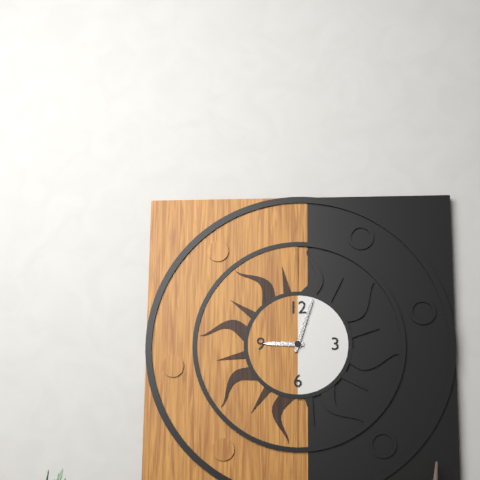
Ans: 9:03
